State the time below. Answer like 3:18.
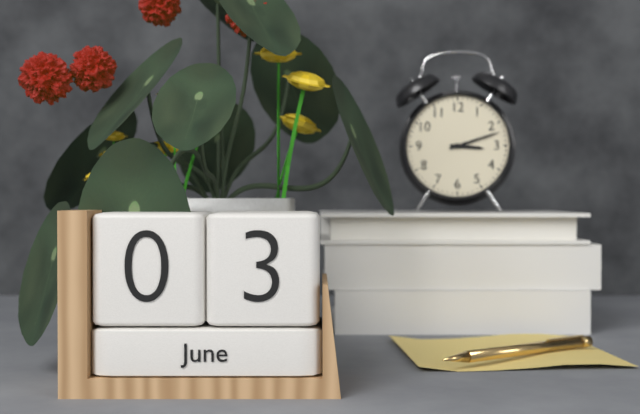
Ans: 3:12
